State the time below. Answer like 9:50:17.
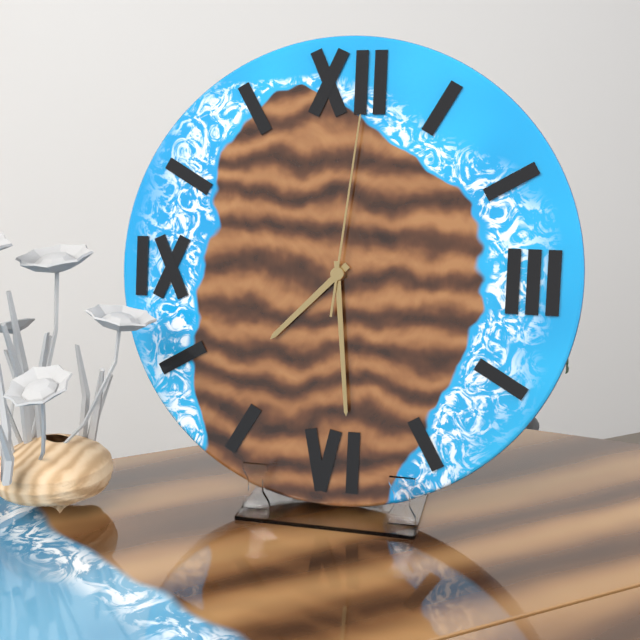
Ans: 7:29:01
